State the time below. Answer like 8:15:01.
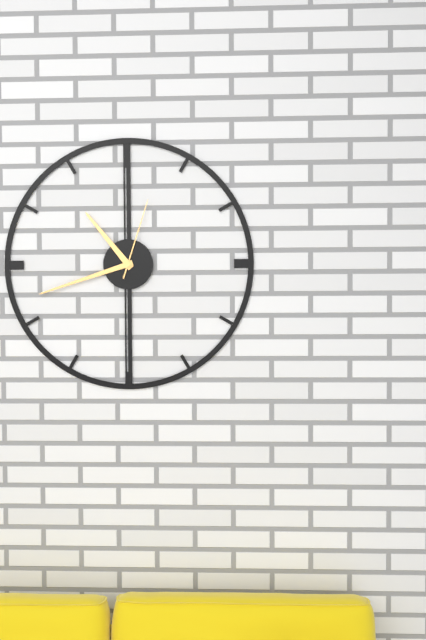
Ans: 10:42:03
